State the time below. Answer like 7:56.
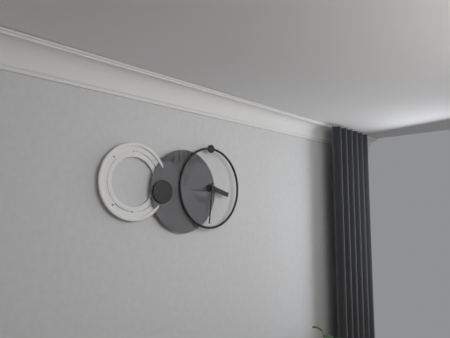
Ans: 3:31
